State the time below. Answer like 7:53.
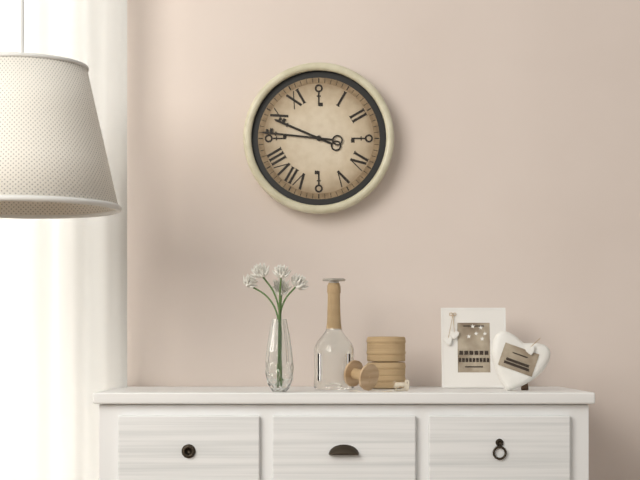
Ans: 9:46
